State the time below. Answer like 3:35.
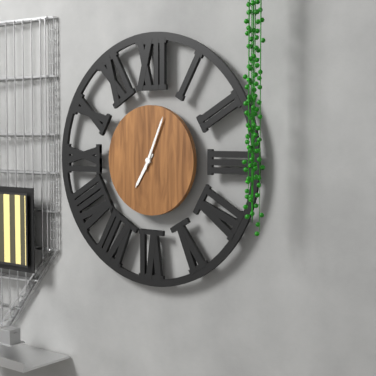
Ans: 7:04
